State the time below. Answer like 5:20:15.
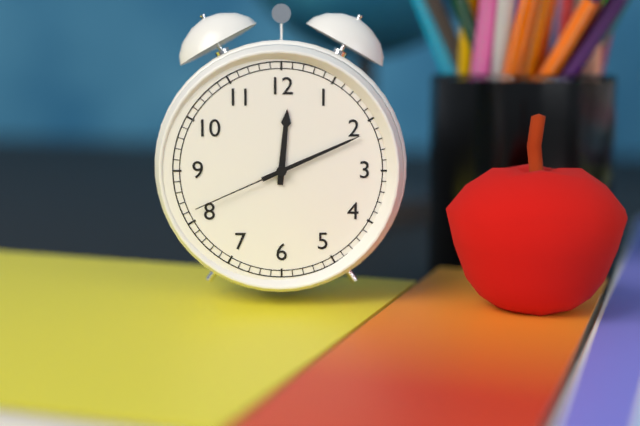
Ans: 12:11:41
